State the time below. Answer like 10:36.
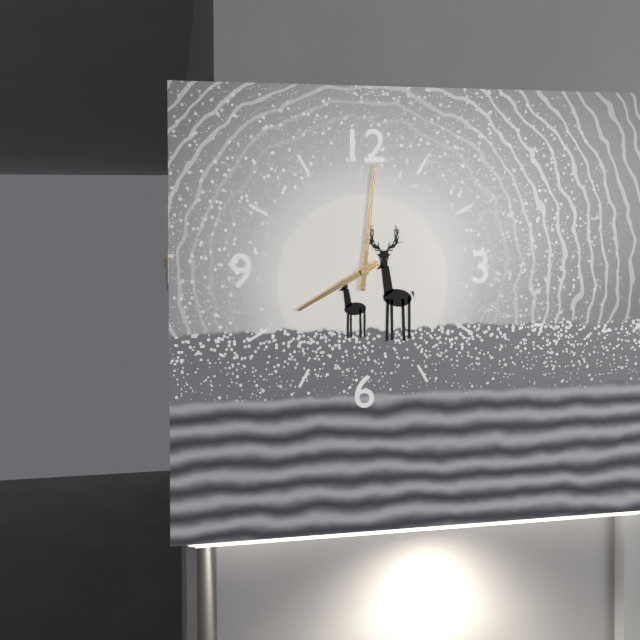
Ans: 8:01
